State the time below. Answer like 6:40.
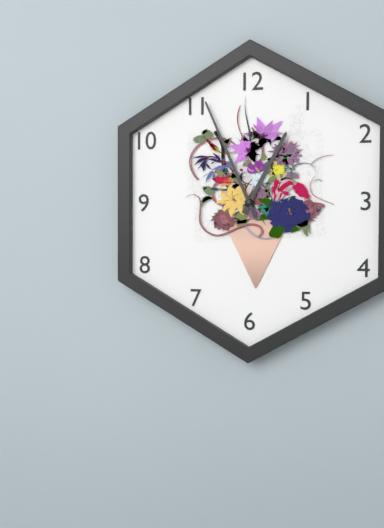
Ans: 12:56
